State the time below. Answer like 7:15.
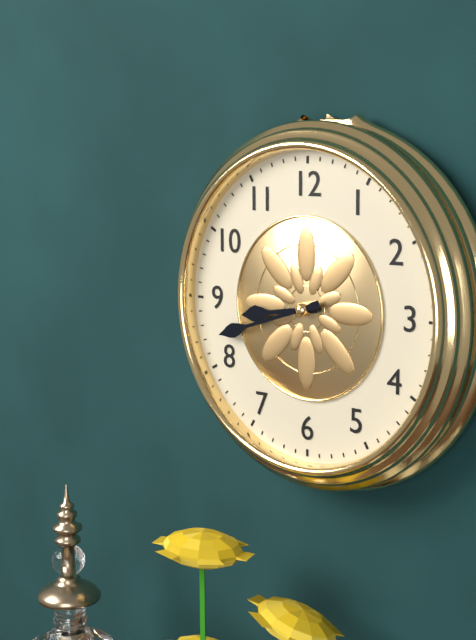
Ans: 8:42
